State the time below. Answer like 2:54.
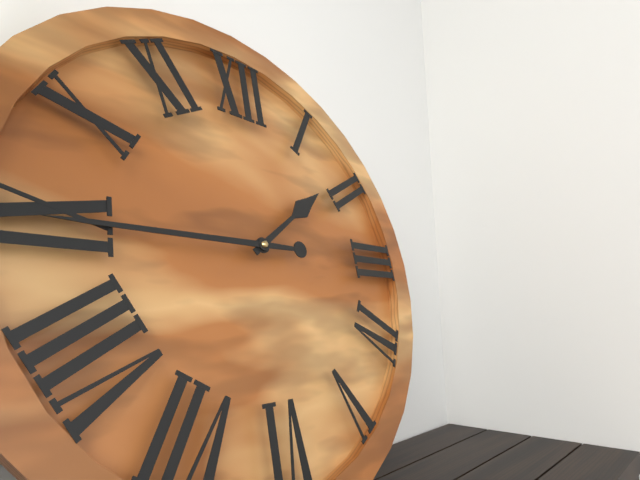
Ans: 1:45
